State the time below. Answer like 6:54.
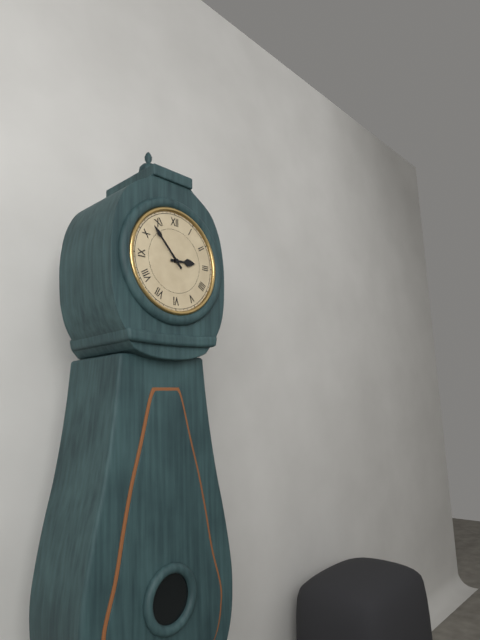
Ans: 2:53
